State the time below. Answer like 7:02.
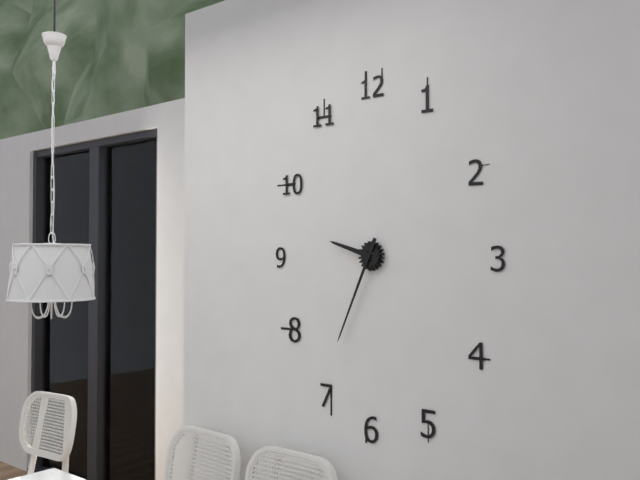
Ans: 9:34
